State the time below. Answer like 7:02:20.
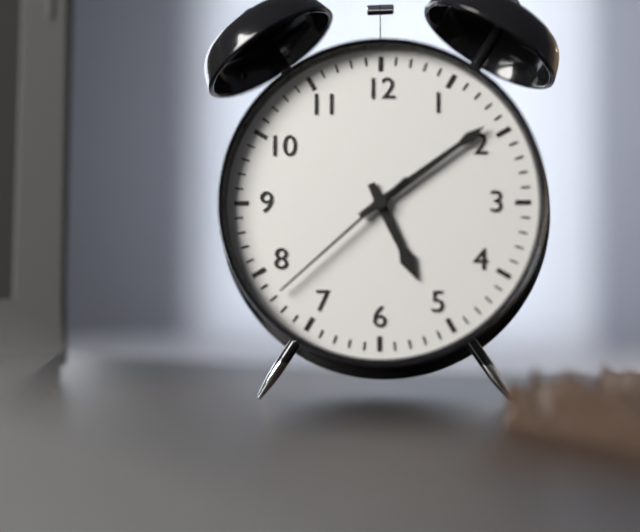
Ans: 5:09:38
